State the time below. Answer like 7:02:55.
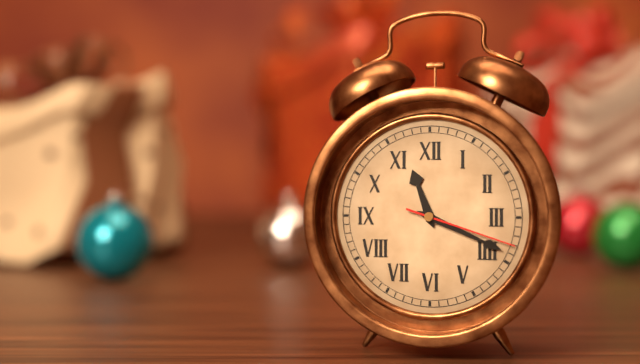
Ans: 11:19:18
